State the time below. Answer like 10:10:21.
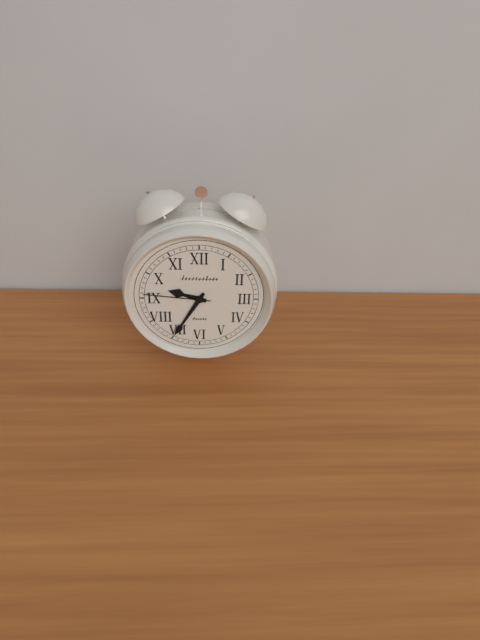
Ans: 9:35:46
